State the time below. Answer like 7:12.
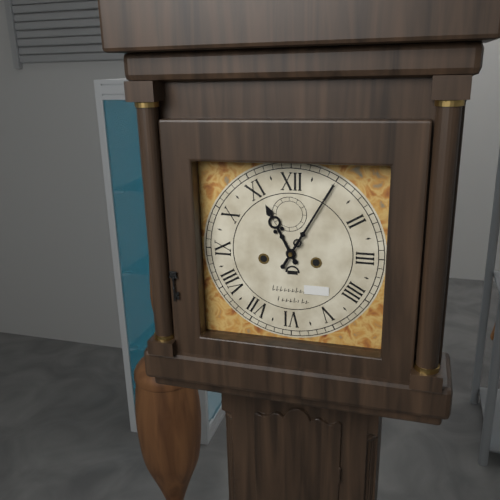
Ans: 11:05
